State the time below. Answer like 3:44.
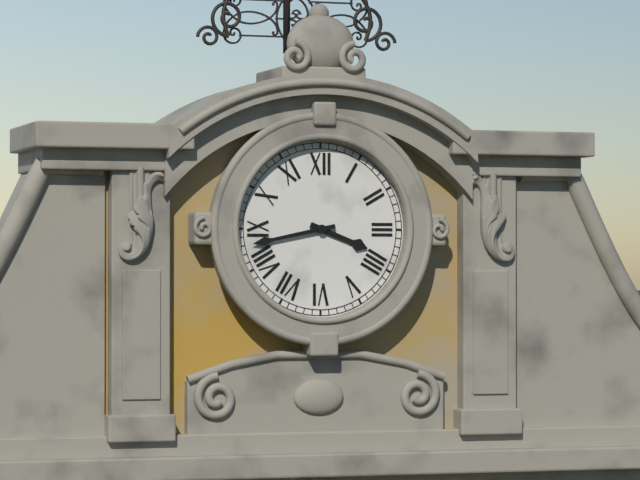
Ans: 3:43
